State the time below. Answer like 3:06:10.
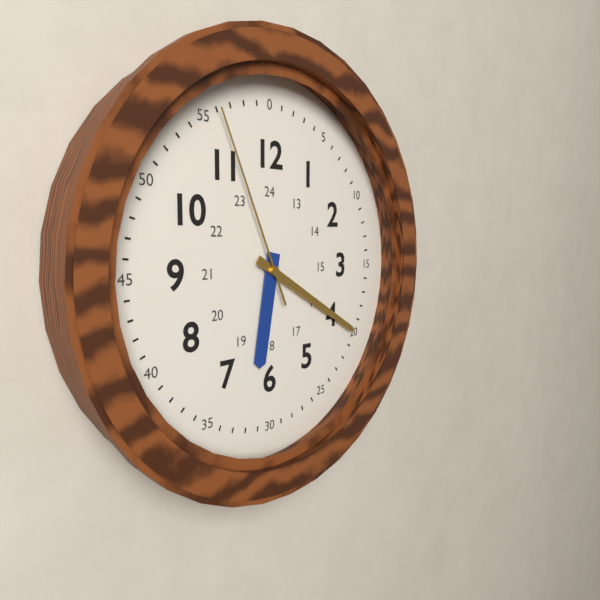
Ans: 6:20:56
